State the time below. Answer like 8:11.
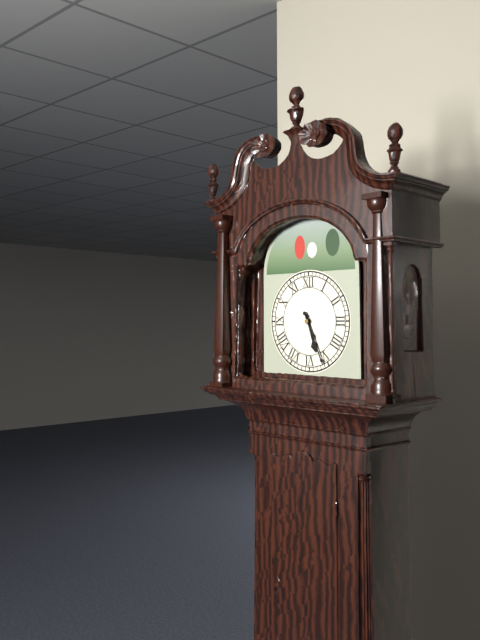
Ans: 5:26
